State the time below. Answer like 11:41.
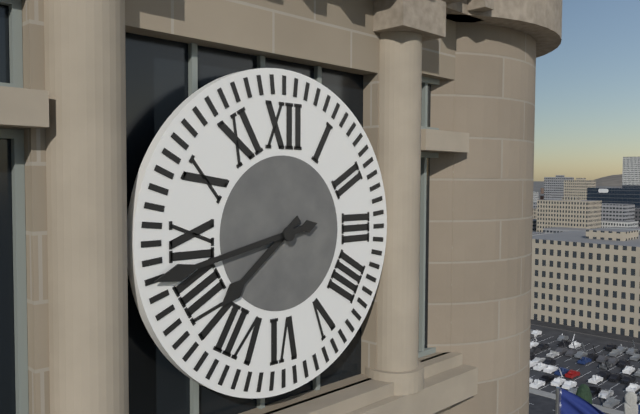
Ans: 7:43
